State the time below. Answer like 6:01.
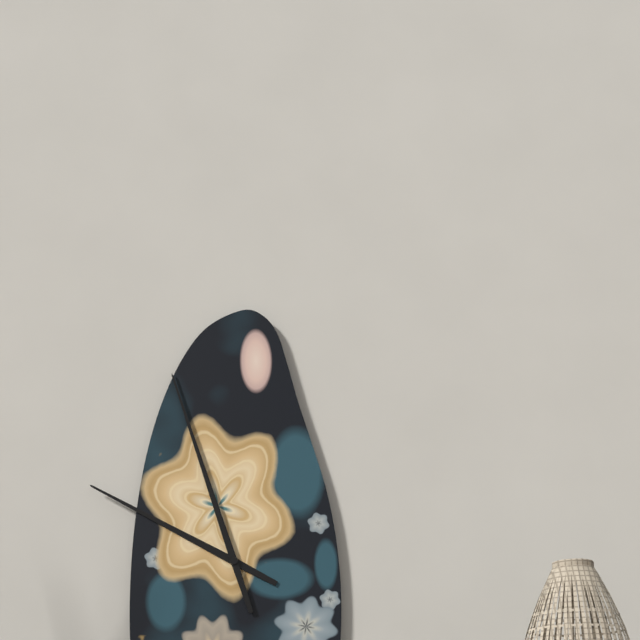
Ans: 9:57
